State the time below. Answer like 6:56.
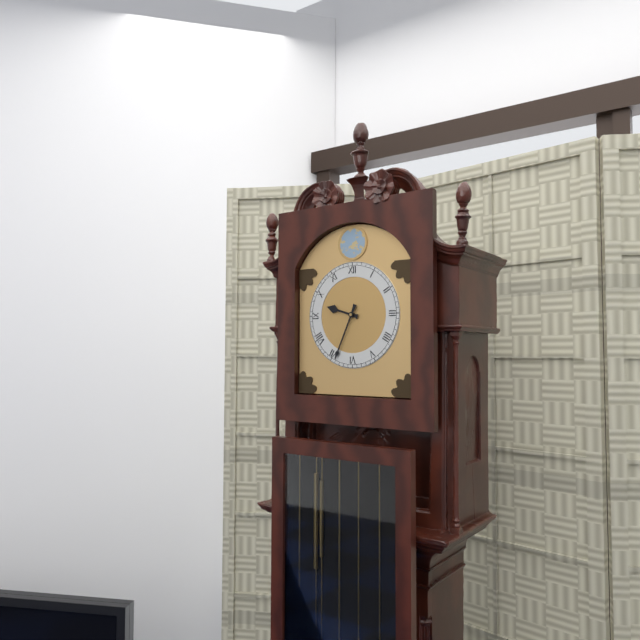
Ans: 9:34
